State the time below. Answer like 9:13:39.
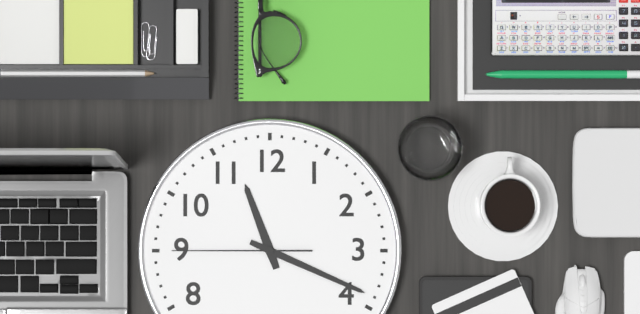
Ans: 11:19:45
